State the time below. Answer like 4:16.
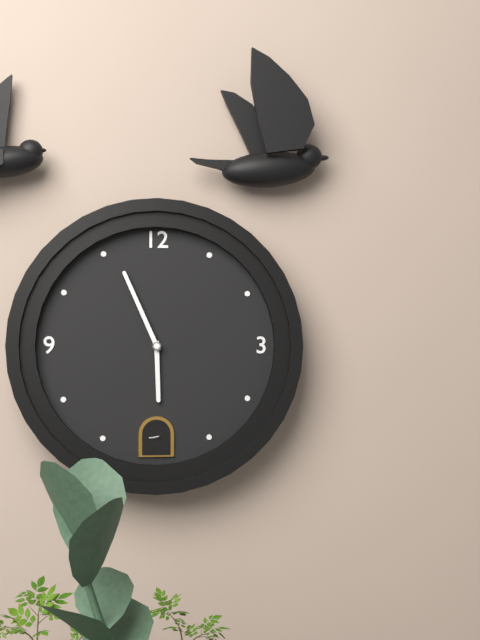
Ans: 5:56
